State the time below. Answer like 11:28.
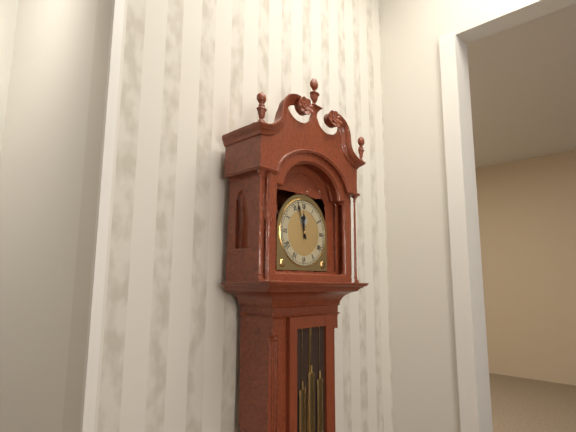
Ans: 11:57
